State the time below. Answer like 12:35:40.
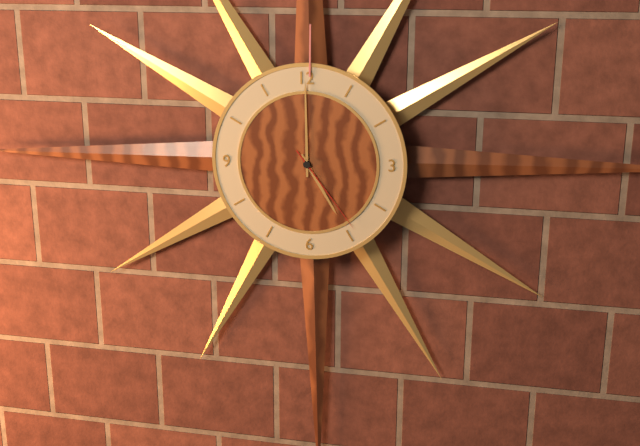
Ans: 5:00:24
